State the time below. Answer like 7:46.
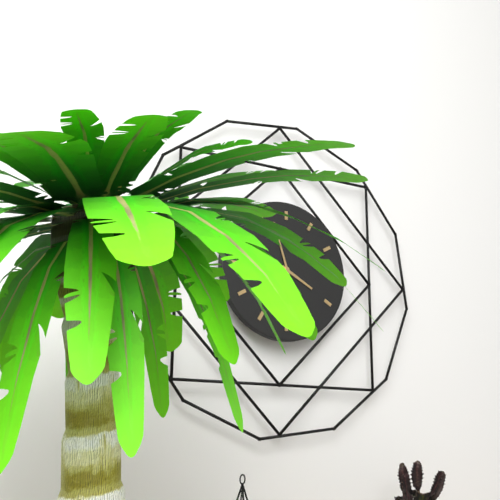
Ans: 3:57
